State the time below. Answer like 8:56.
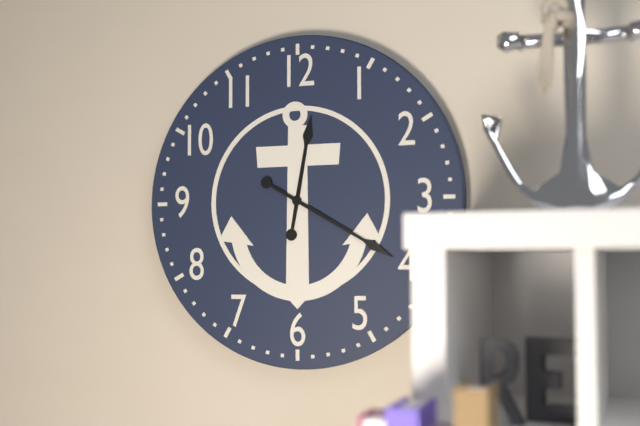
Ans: 12:20
